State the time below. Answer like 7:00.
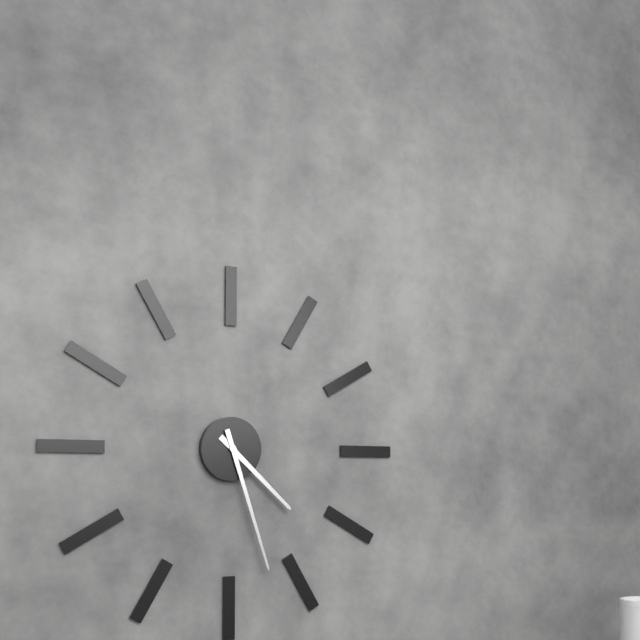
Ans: 4:27
